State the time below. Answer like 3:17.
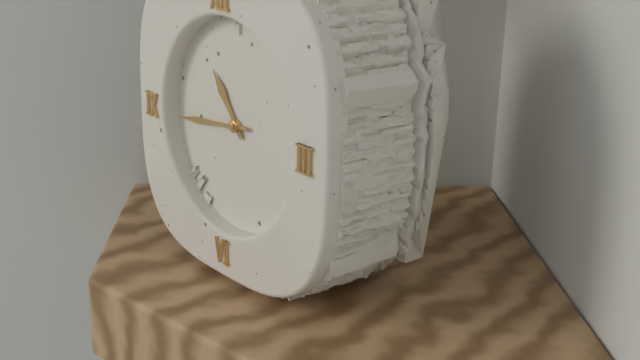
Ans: 10:44
